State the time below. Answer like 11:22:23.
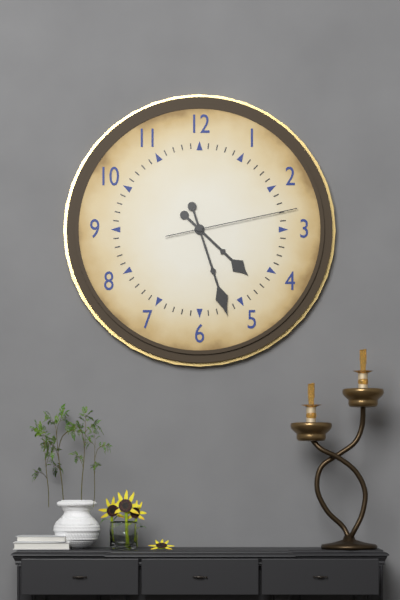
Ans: 4:27:13
